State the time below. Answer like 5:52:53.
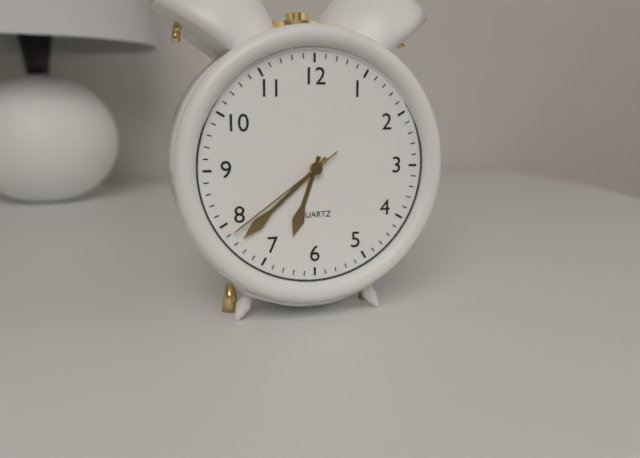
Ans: 6:38:39
